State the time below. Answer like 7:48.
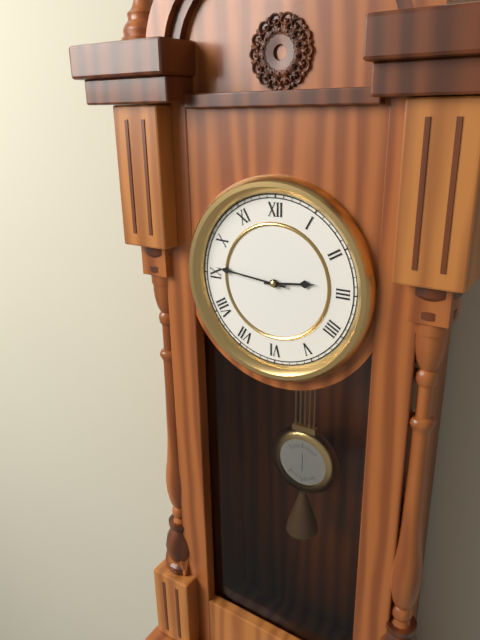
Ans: 2:46
